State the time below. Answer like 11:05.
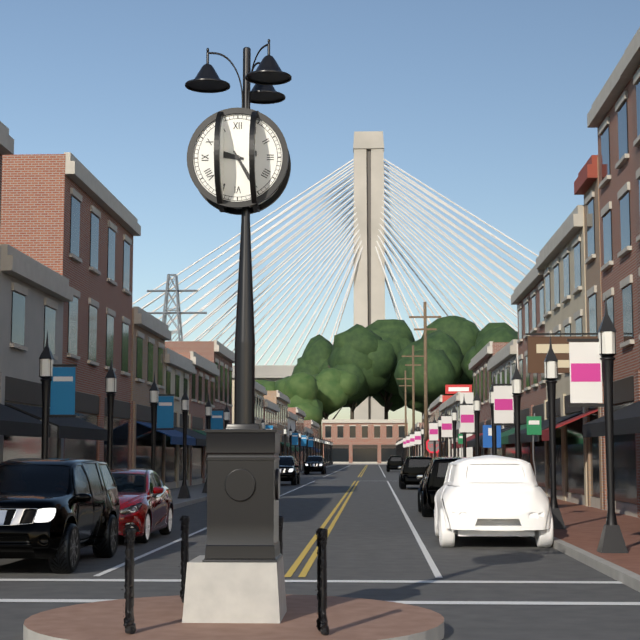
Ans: 9:25
